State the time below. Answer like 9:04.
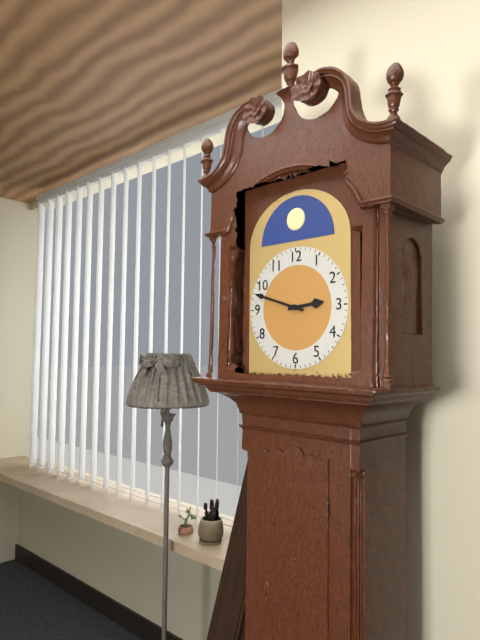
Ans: 2:48
